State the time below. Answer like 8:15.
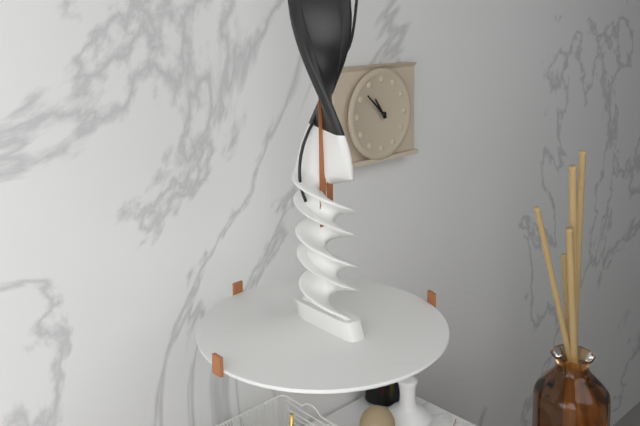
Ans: 10:52
